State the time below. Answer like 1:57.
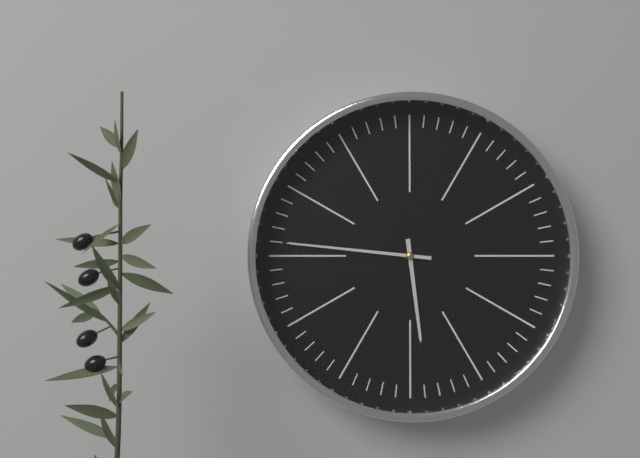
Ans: 5:46
